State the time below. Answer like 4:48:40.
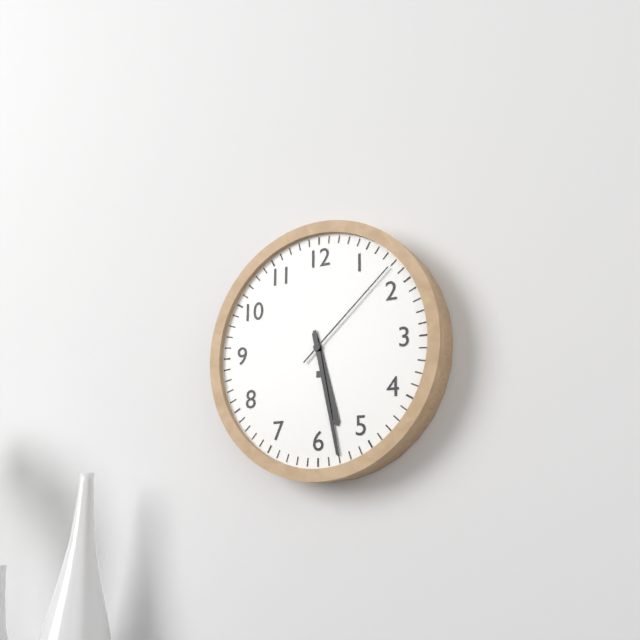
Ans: 5:28:08
